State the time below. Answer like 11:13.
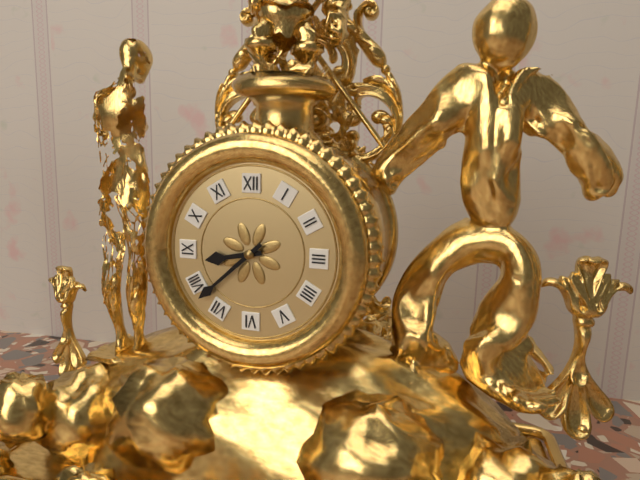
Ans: 8:38
